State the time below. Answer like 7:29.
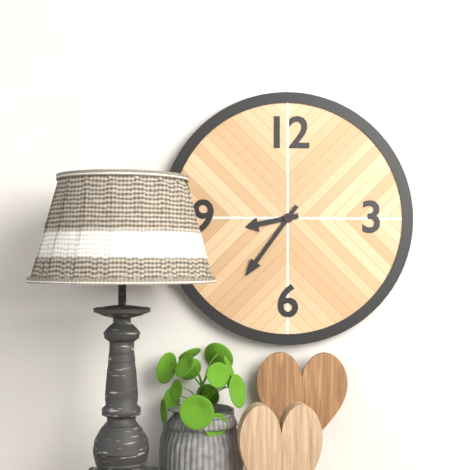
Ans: 8:36
